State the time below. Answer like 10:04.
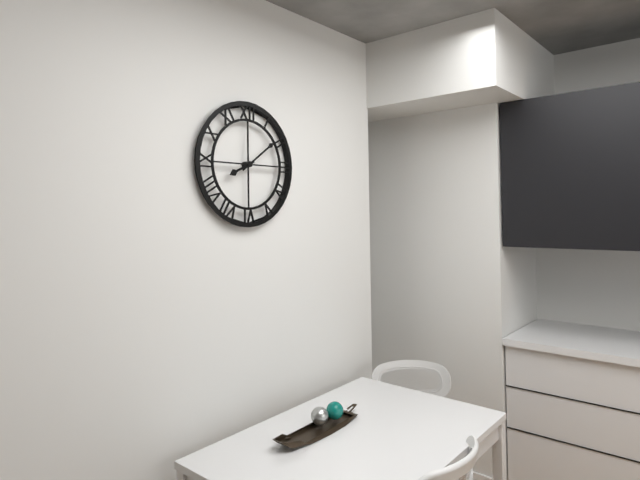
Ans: 8:09
